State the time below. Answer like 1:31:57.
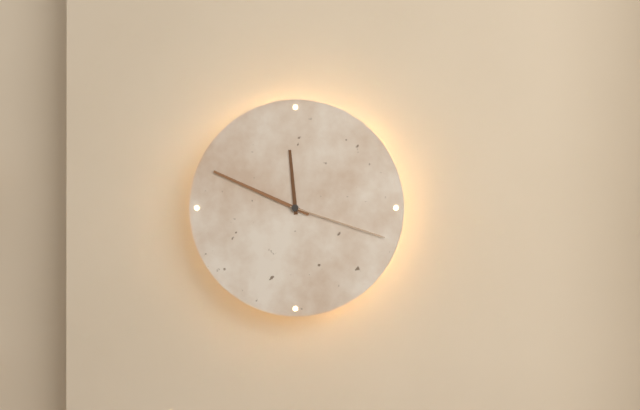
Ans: 11:49:18
